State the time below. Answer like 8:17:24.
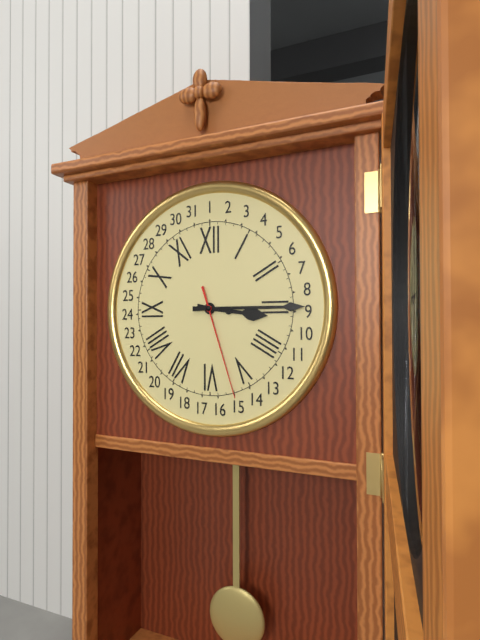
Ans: 3:15:27
